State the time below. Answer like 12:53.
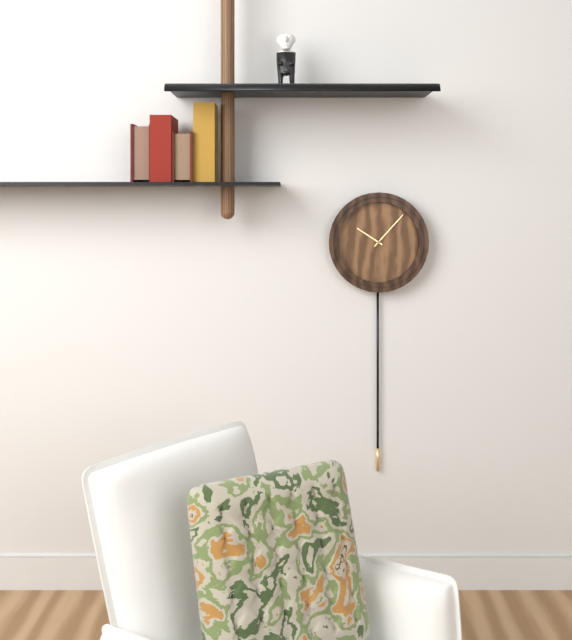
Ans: 10:07
